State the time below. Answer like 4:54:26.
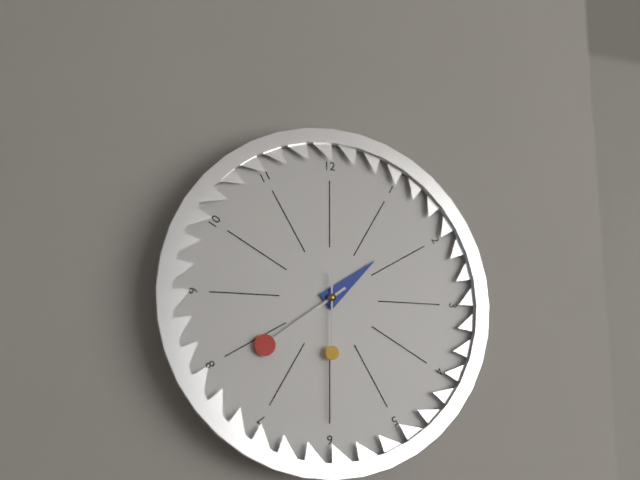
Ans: 1:39:30
